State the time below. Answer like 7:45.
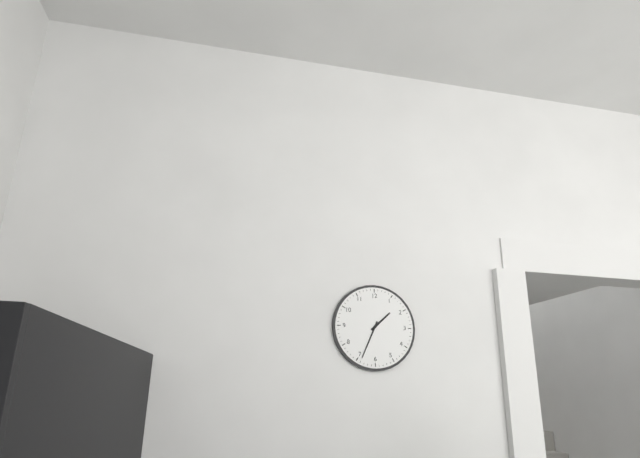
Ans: 1:34
